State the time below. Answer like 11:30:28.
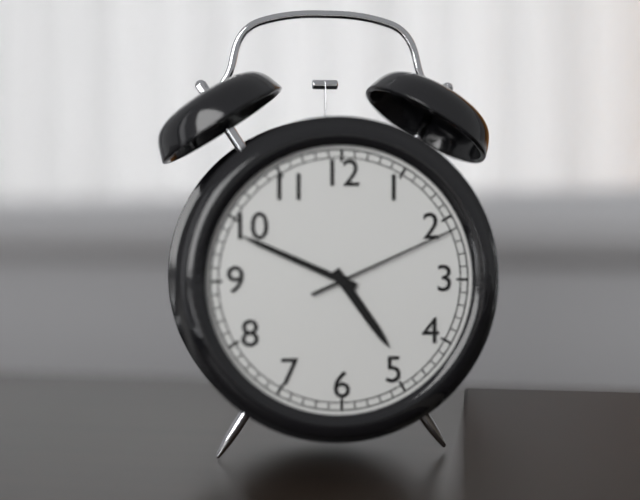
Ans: 4:49:11
